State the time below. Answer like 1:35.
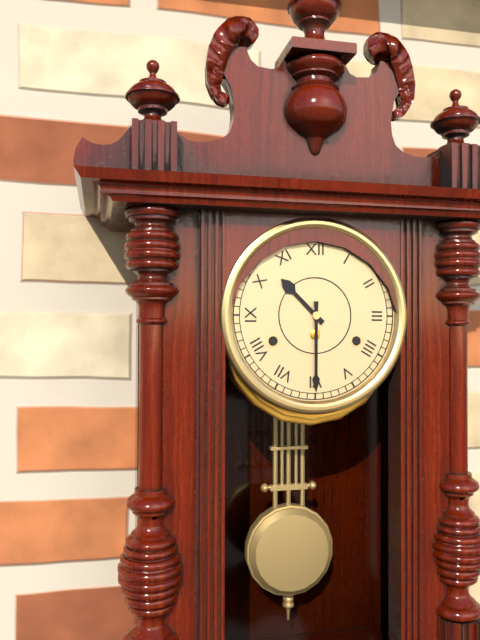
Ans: 10:30
